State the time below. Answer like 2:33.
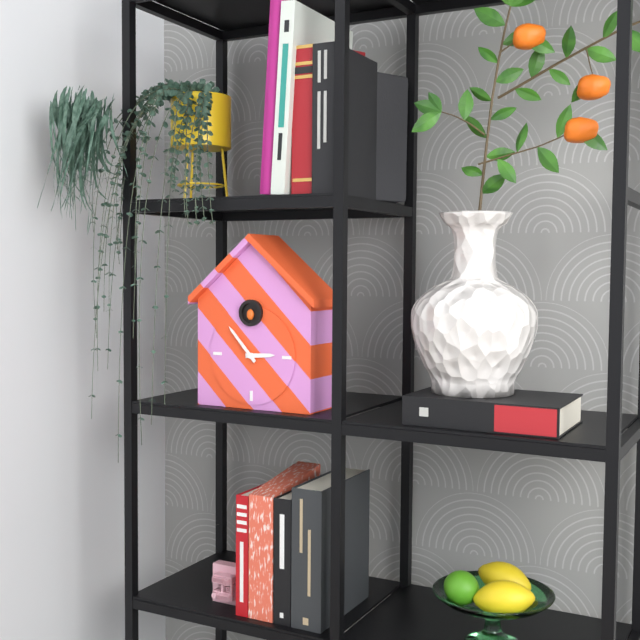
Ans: 2:53
